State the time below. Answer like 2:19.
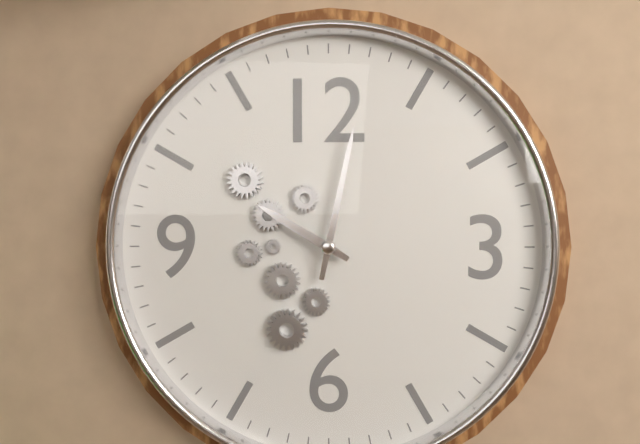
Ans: 10:02
